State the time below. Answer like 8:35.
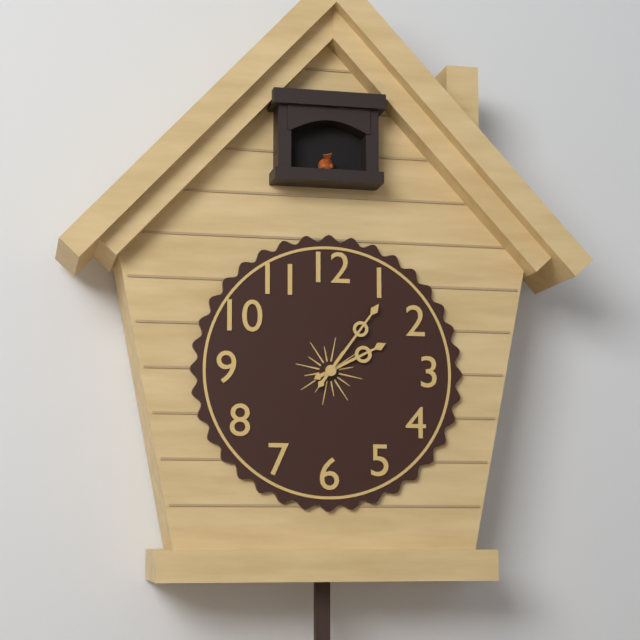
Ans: 2:06
